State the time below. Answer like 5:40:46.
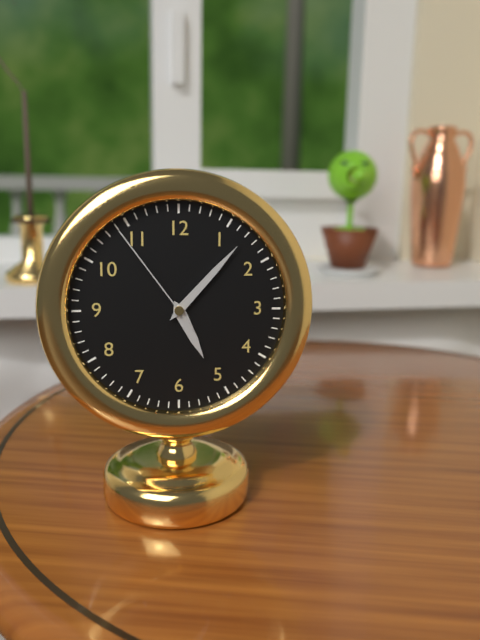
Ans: 5:07:54
